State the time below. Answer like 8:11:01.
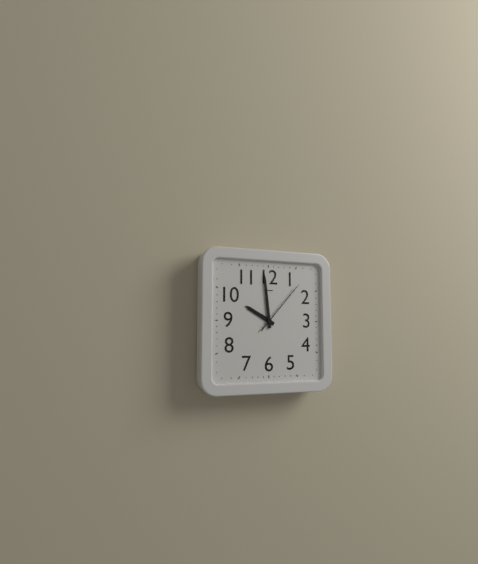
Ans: 9:59:07
